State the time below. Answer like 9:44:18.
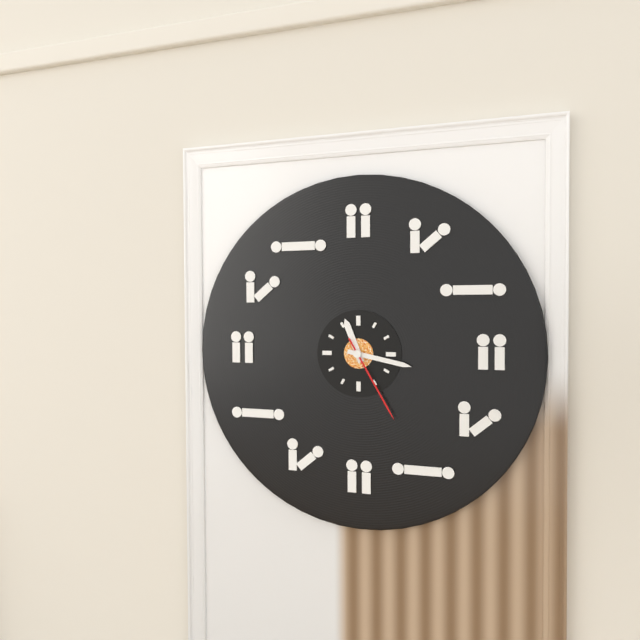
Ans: 11:17:25
